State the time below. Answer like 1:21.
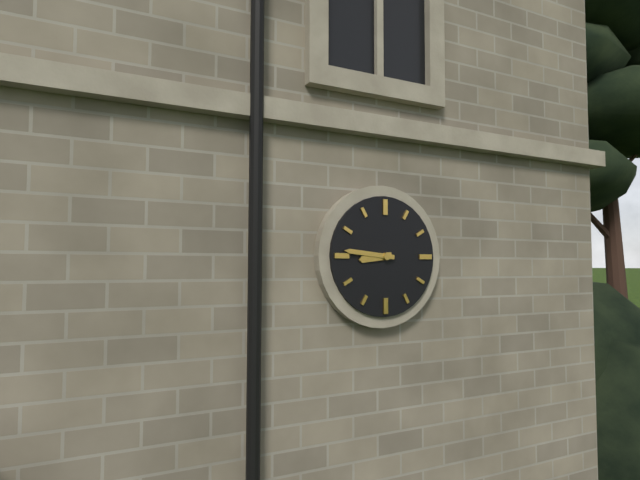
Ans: 8:46
